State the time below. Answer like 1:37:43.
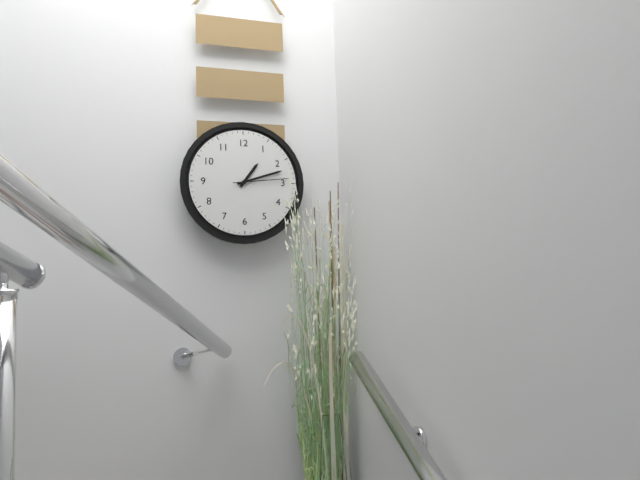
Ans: 1:12:14
